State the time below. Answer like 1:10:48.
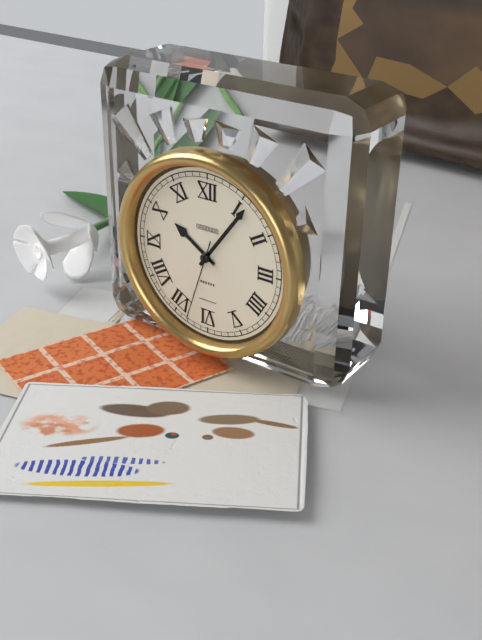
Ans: 10:06:33
